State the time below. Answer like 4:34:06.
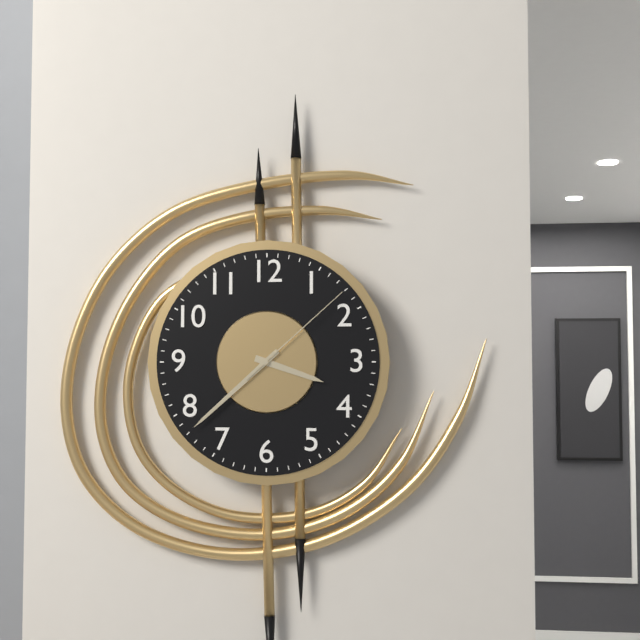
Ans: 3:38:08
